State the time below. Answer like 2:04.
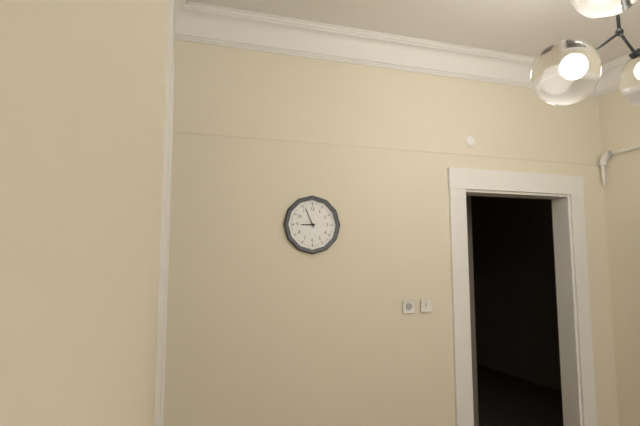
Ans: 8:56
